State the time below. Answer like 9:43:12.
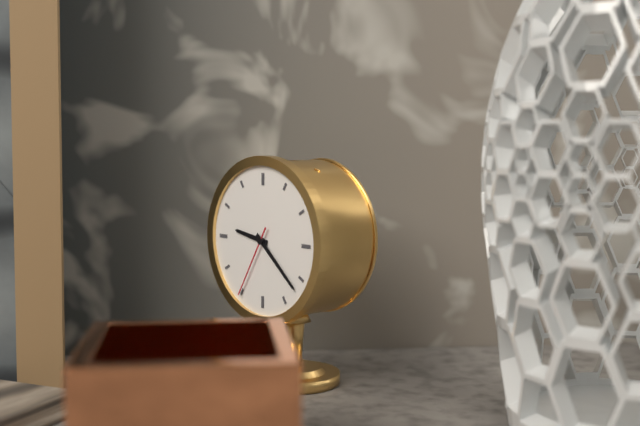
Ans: 9:22:35
